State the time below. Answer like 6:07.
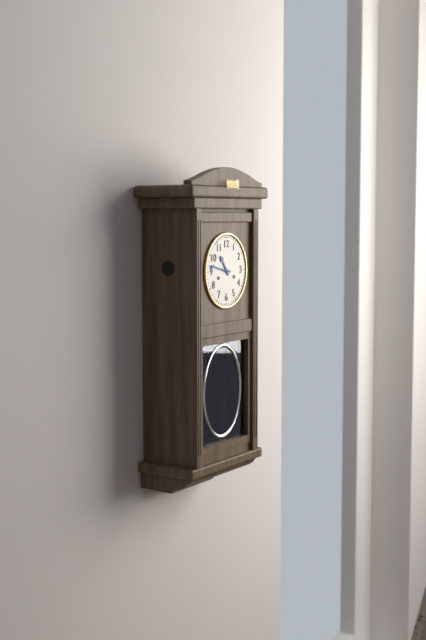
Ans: 10:47
